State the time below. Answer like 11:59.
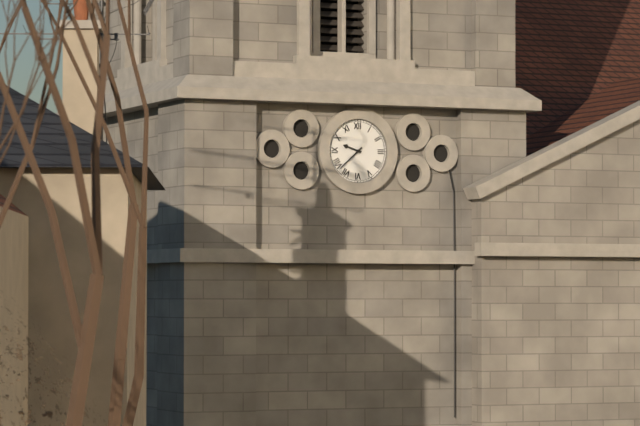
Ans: 9:38
